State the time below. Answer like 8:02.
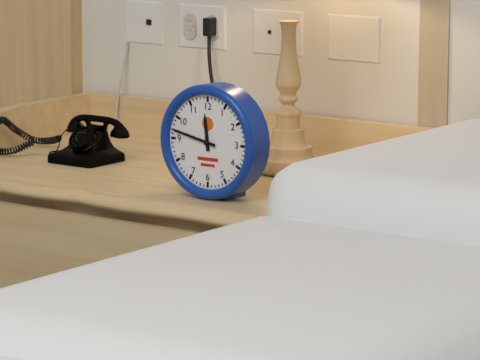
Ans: 11:47
